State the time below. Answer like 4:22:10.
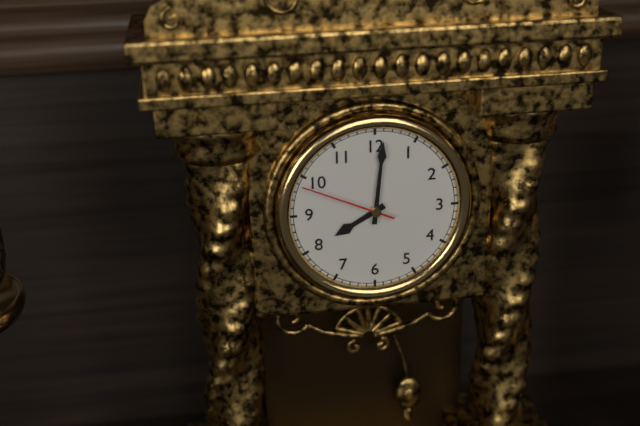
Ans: 8:01:49
